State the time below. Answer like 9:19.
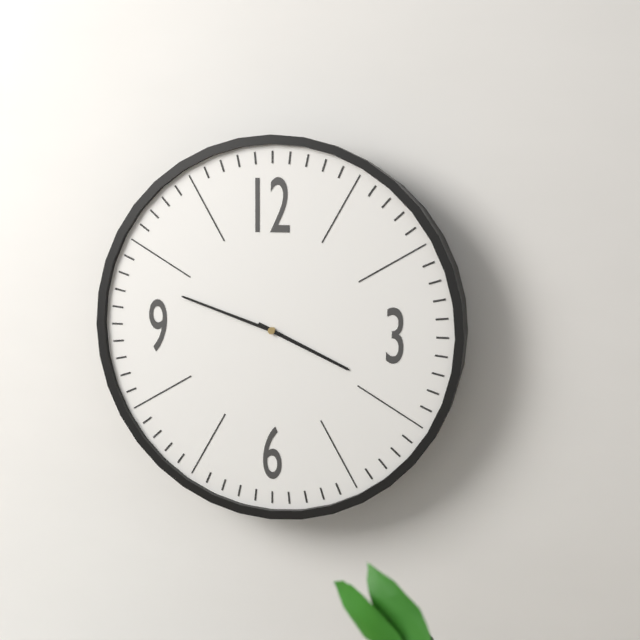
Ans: 3:48
